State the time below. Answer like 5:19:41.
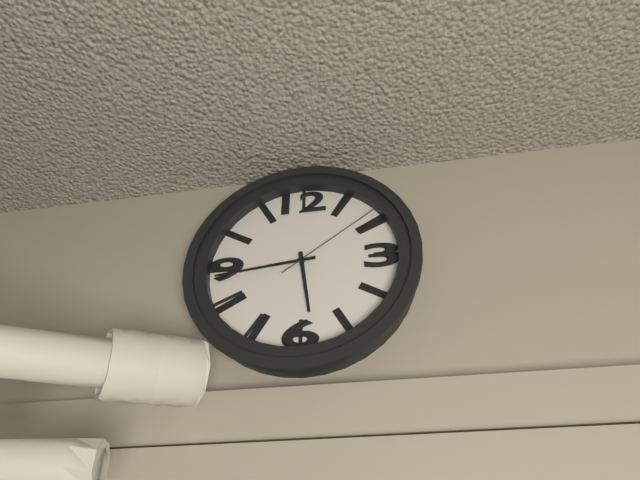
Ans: 5:44:09
